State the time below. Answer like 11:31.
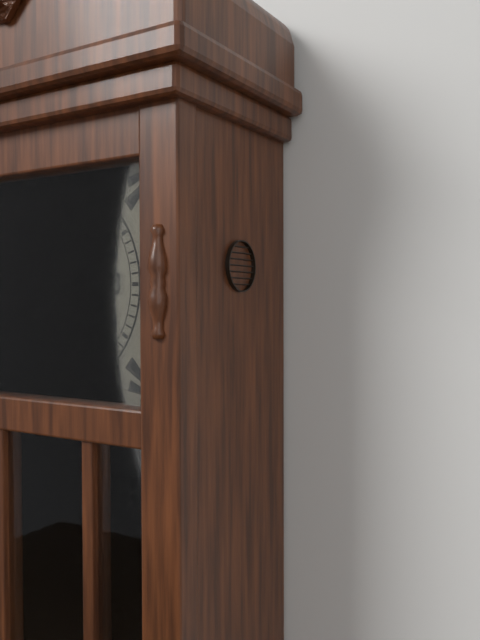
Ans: 9:22
